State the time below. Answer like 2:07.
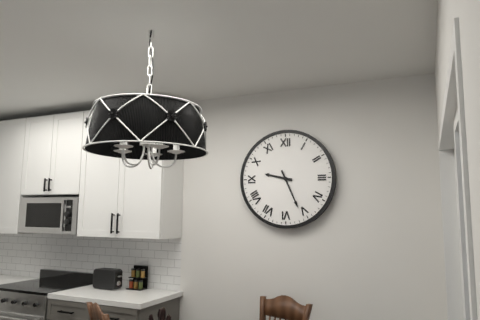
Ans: 9:26
